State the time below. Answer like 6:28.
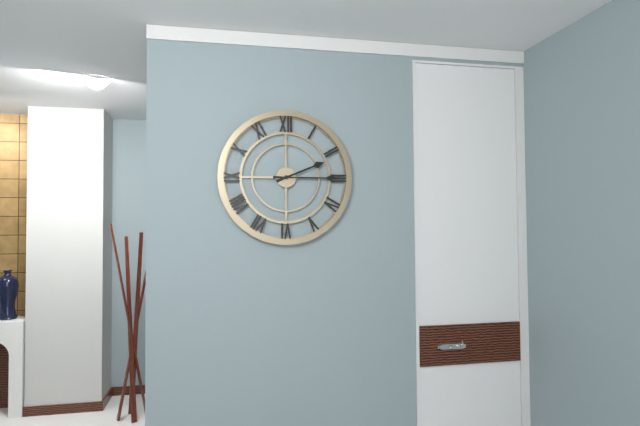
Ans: 2:15
